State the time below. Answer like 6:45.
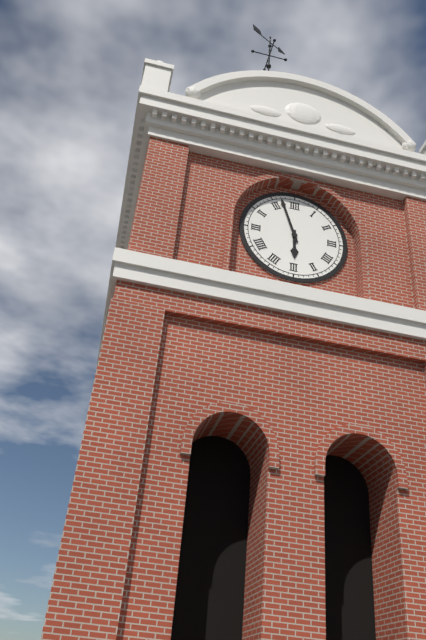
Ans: 5:57
